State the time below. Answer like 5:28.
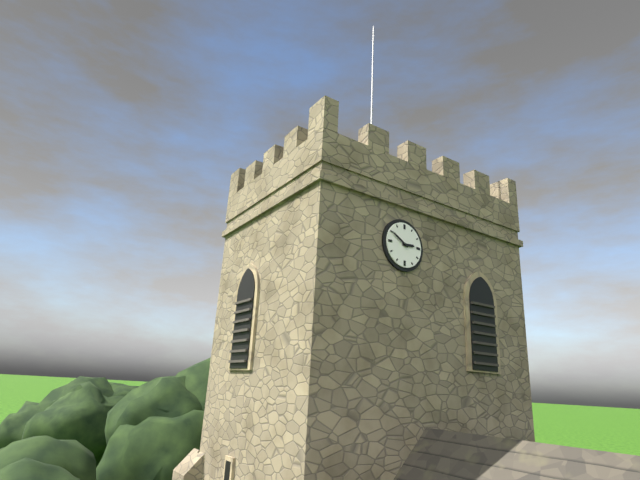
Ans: 2:50
